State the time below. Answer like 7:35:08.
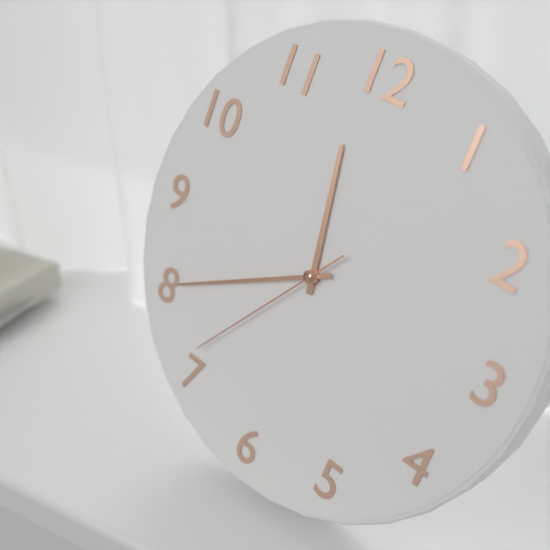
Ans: 11:40:36
